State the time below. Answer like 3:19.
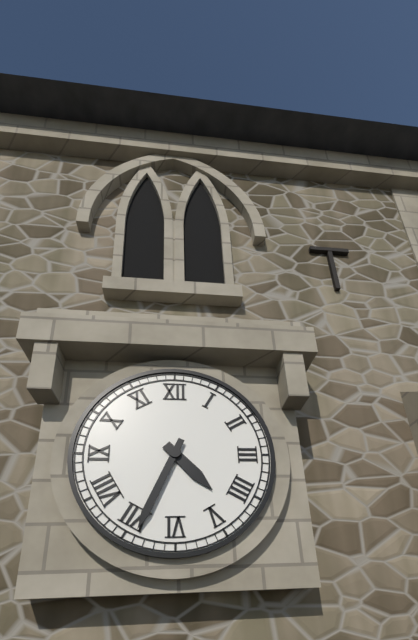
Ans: 4:34
